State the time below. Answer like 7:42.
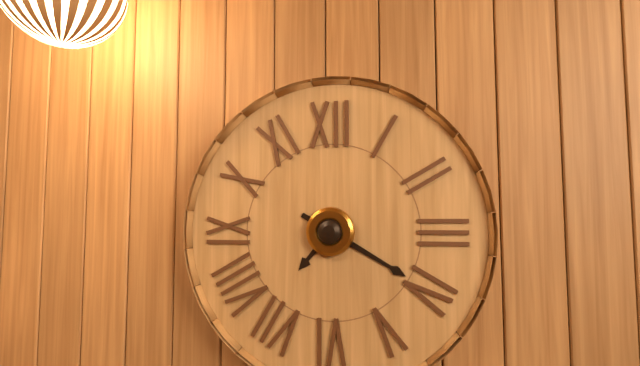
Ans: 7:20
